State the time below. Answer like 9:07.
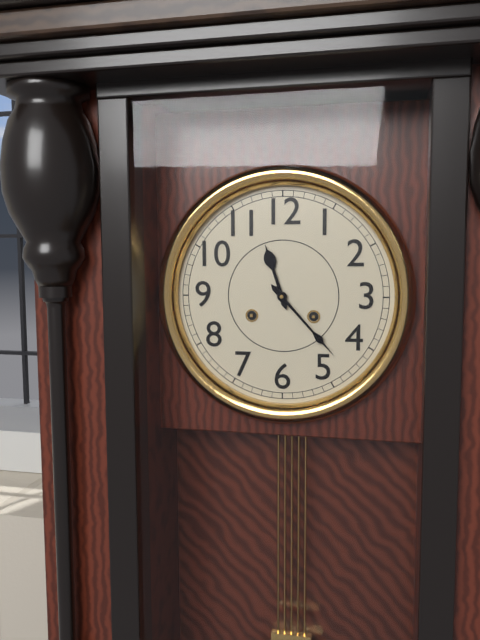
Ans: 11:23
